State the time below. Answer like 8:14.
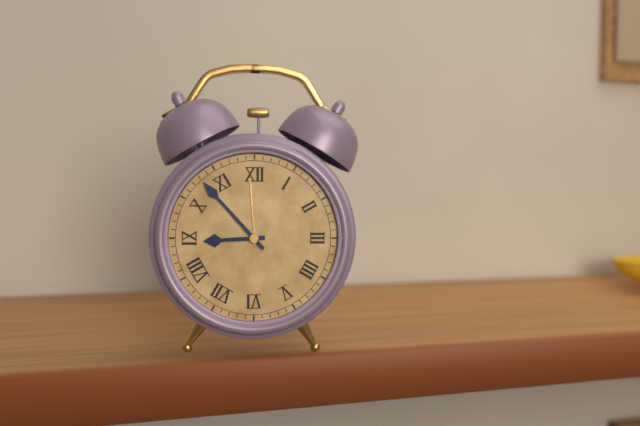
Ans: 8:53
